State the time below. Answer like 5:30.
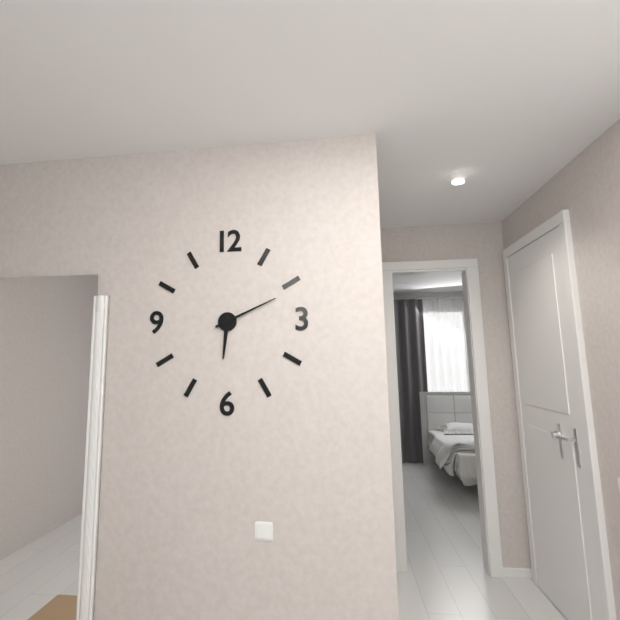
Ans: 6:11
